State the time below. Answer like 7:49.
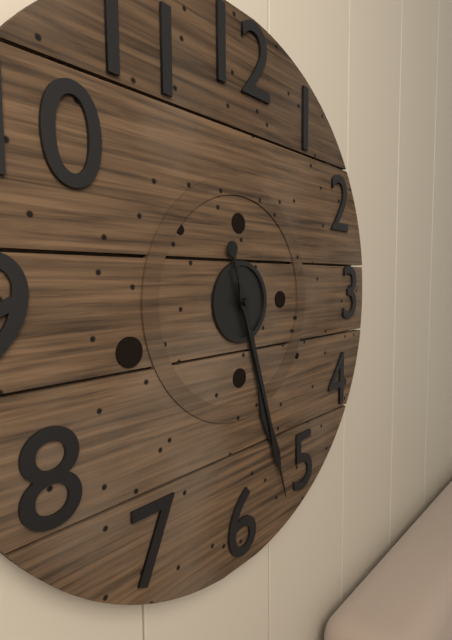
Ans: 5:27
